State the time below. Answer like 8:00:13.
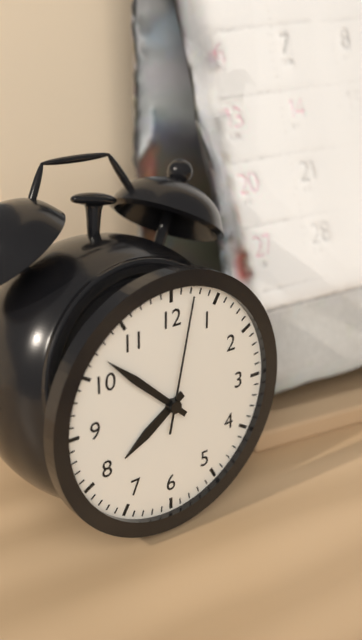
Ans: 7:52:02
